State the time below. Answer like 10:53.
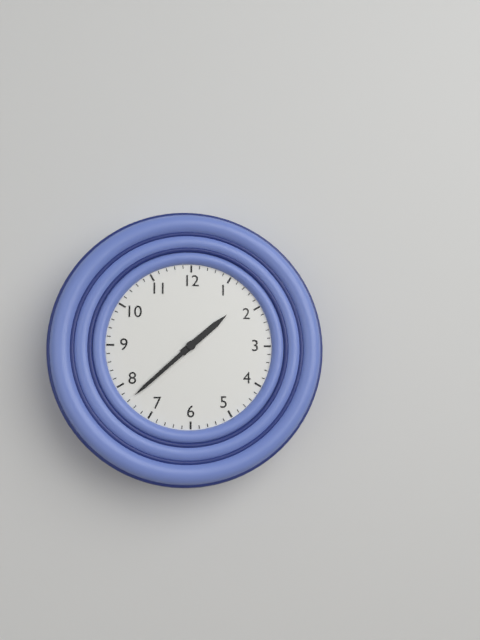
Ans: 1:38
